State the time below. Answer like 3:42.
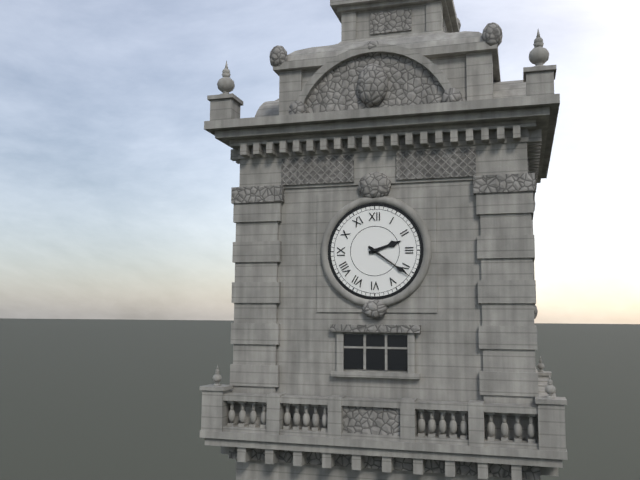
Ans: 2:21
